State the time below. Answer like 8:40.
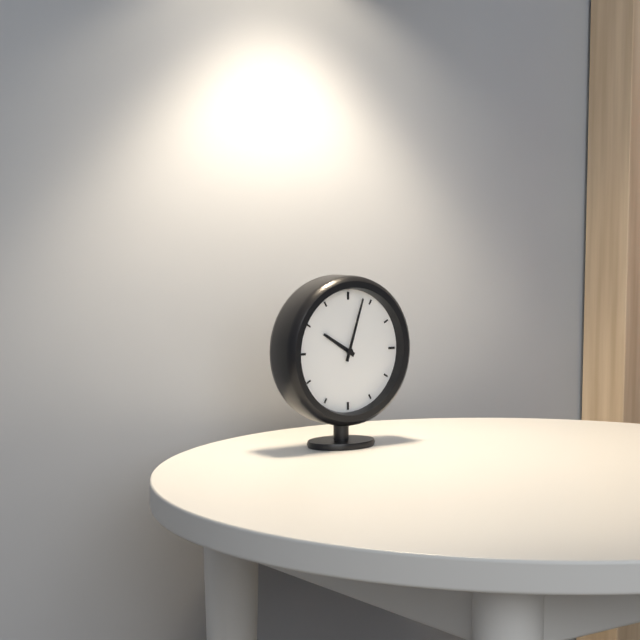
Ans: 10:03
